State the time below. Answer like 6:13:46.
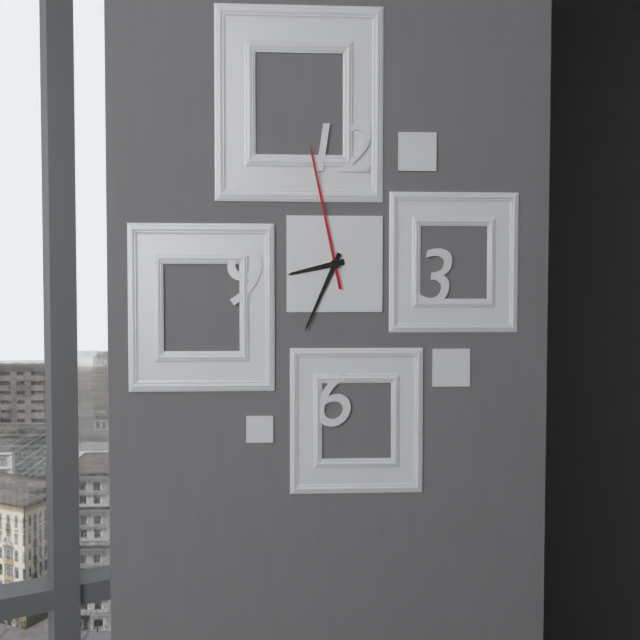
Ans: 8:34:58
